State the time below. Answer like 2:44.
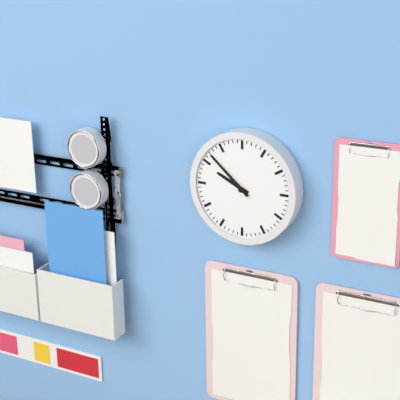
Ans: 9:52
